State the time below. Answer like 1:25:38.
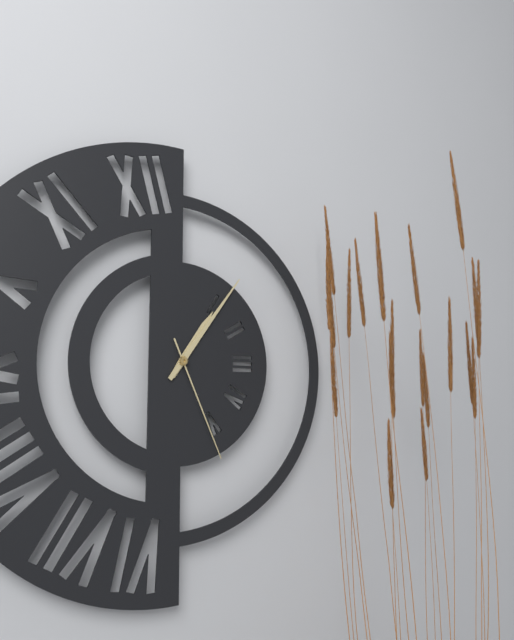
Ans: 1:06:26
